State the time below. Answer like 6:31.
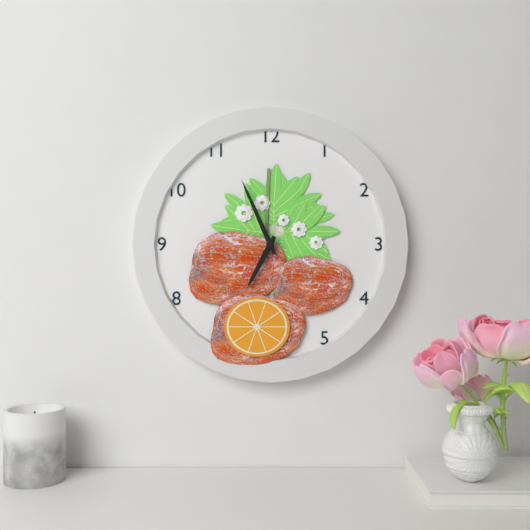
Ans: 6:56
